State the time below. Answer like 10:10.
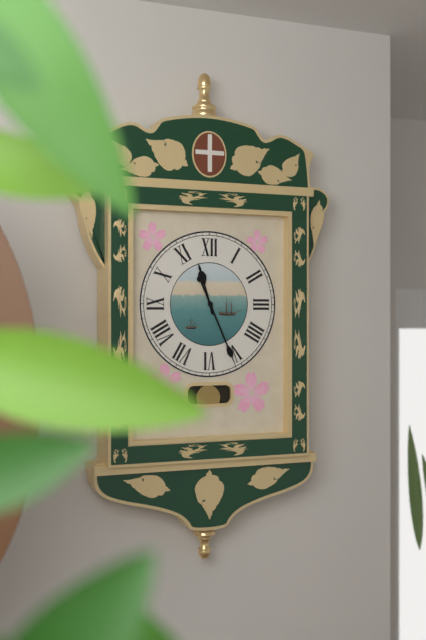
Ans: 11:26
